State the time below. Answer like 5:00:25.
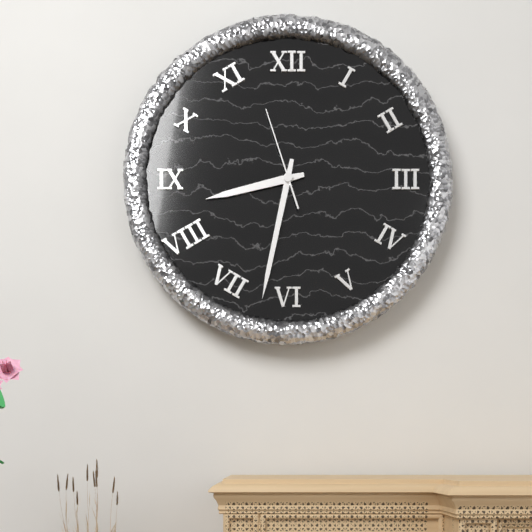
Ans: 8:32:57
